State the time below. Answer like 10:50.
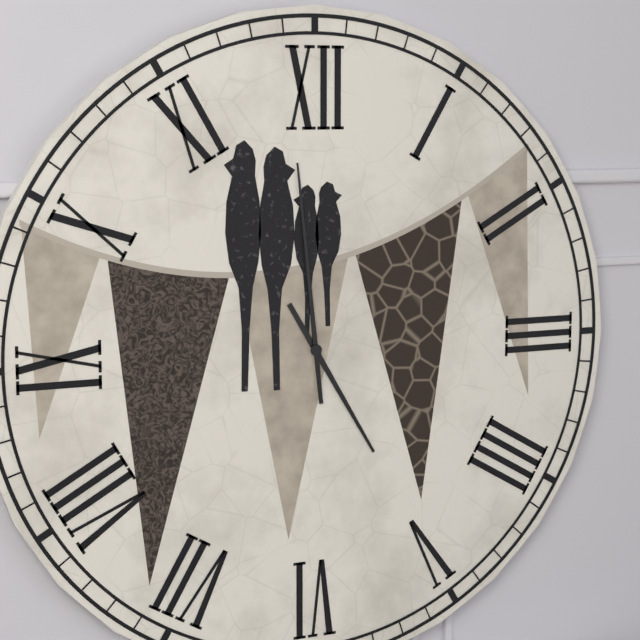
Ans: 4:59
